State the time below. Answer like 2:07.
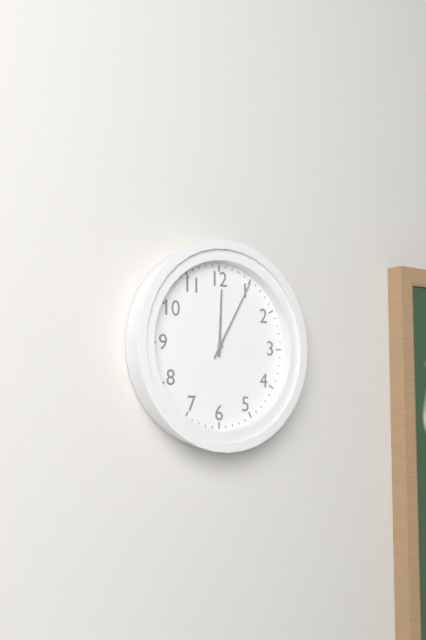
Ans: 12:05
